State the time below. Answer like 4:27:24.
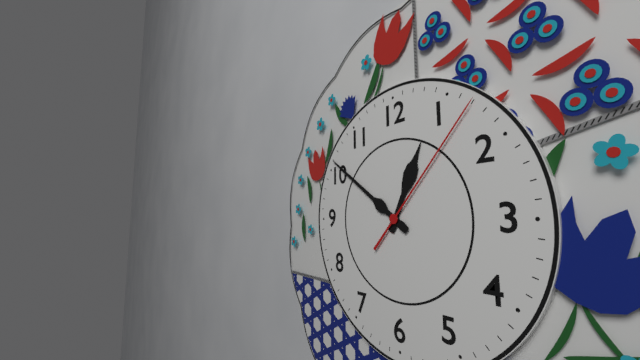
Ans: 12:51:07
